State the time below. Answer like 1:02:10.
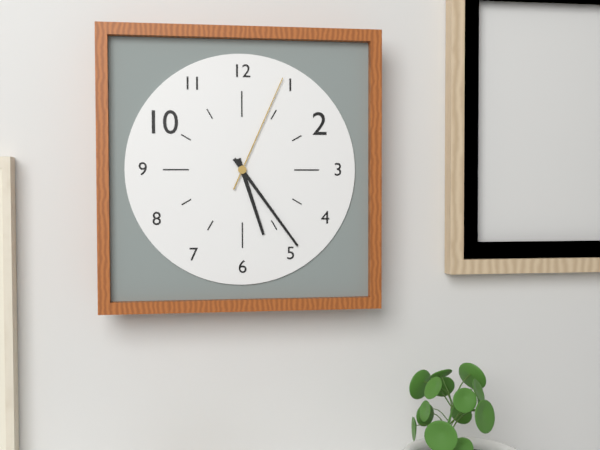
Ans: 5:24:04
